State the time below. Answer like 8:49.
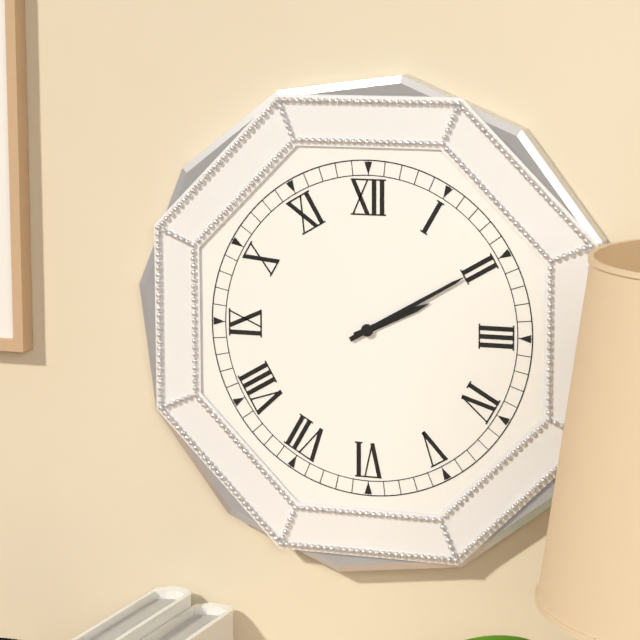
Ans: 2:10
